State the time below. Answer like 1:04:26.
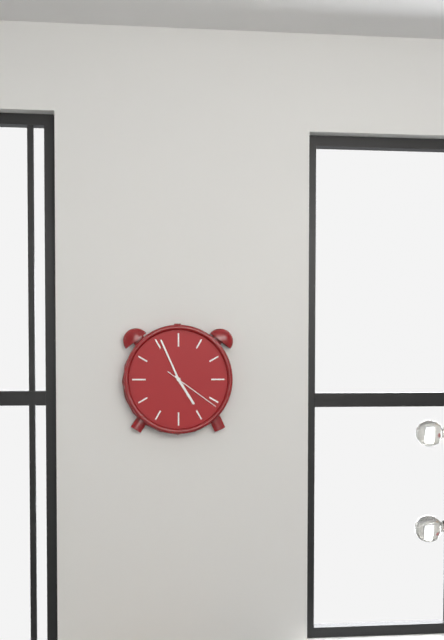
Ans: 4:56:21
